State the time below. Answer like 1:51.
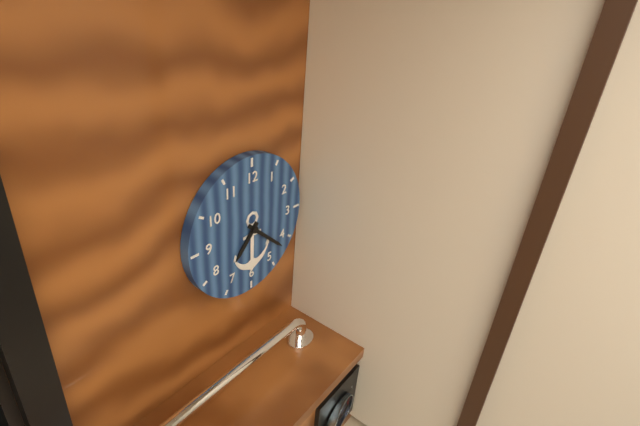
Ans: 7:22
